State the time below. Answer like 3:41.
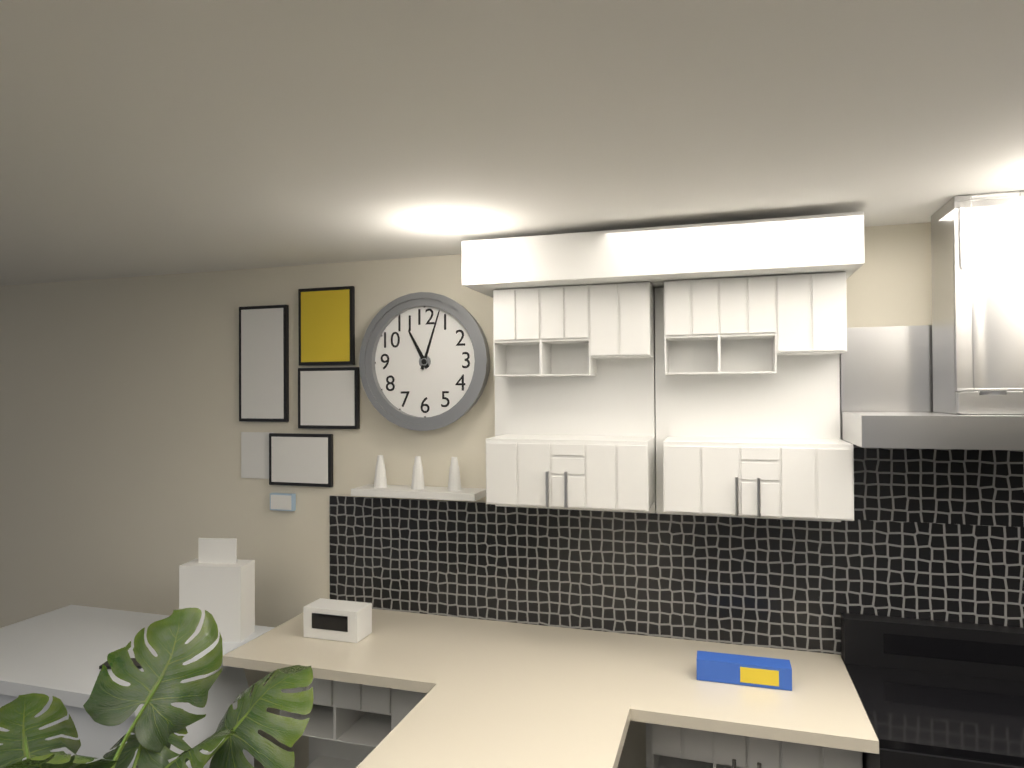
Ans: 11:03
